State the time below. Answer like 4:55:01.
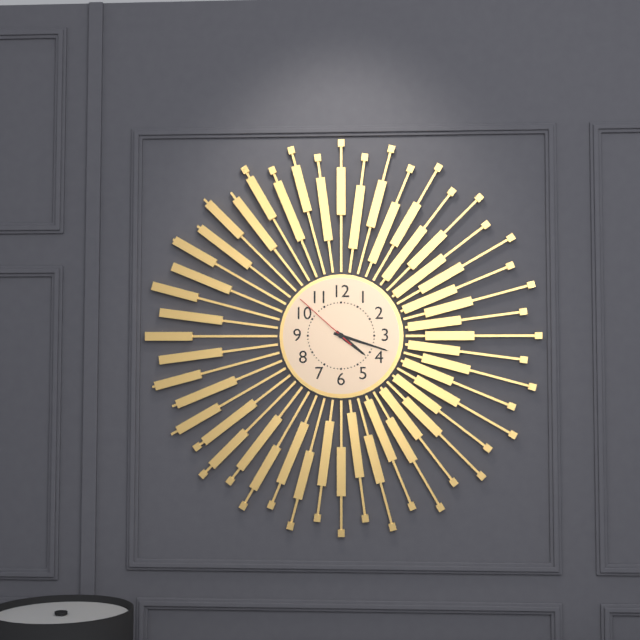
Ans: 4:18:52
